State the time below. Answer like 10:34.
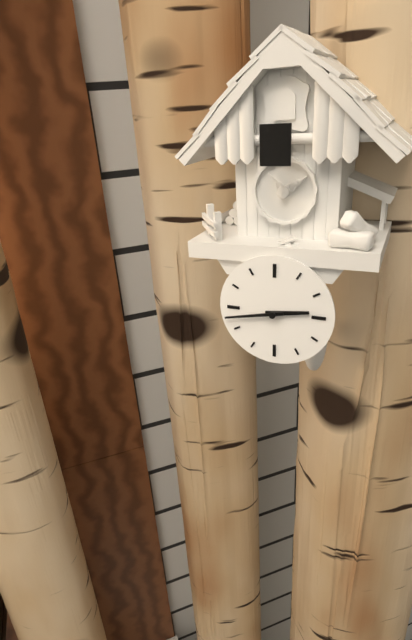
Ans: 2:43
